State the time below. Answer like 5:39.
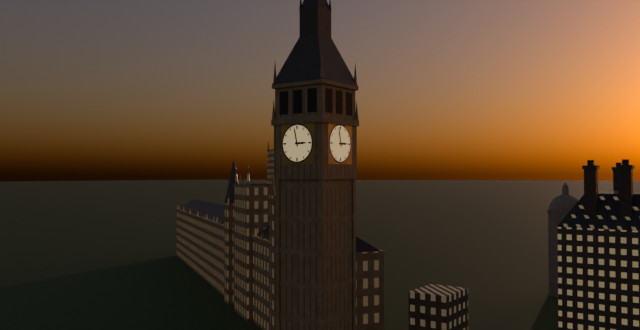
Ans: 2:58
